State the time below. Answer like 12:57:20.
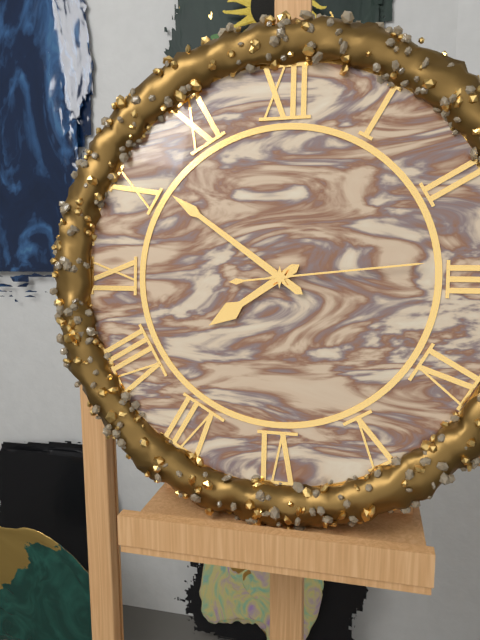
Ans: 7:51:14
